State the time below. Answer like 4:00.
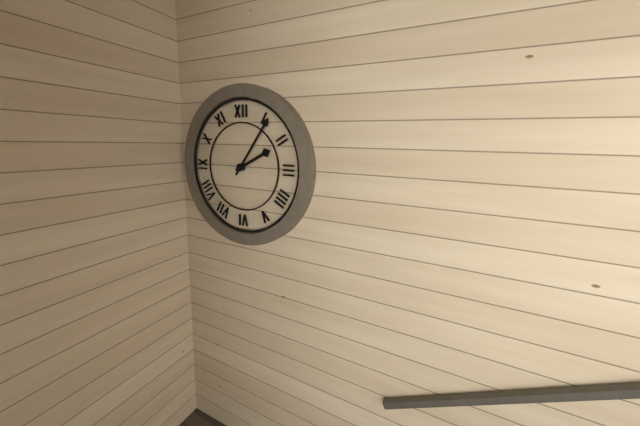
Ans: 2:06
